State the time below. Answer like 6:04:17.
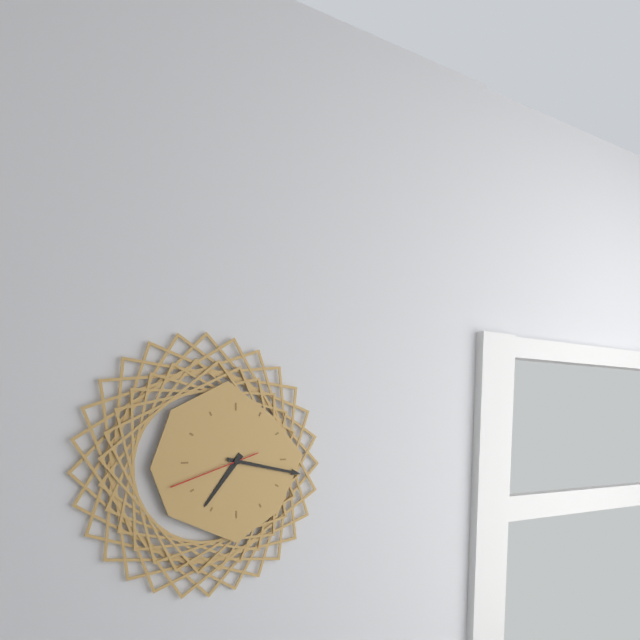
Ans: 7:17:42
